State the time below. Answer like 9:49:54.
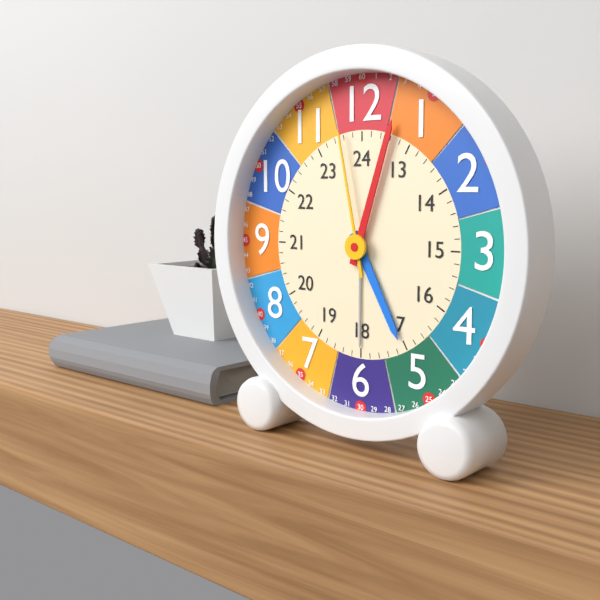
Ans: 5:03:58
